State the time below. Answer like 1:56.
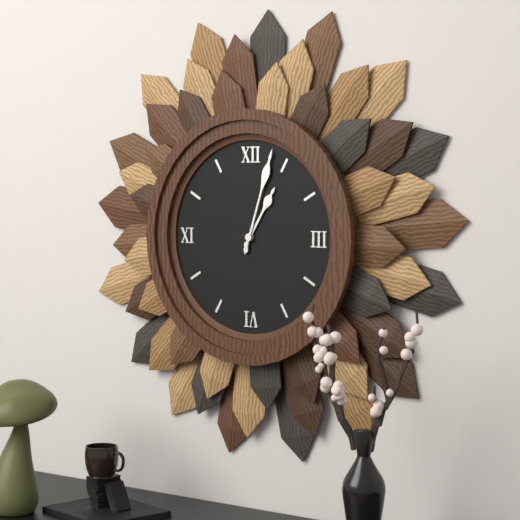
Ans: 1:03
